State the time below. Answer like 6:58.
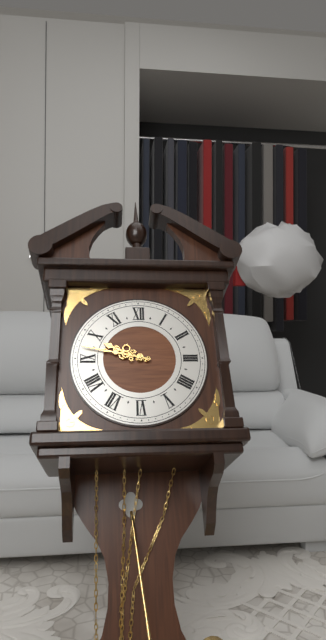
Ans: 9:47
